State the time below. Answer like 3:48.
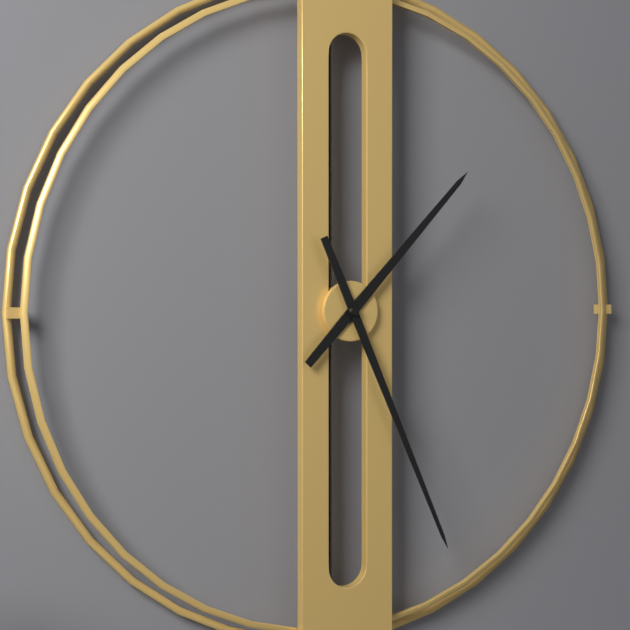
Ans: 1:26
